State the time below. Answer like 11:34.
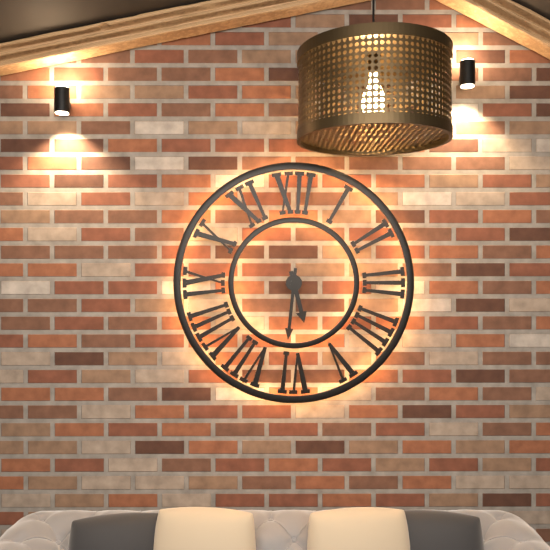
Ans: 5:31
